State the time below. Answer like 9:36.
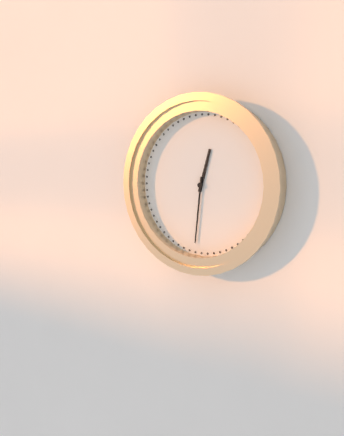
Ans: 12:31
